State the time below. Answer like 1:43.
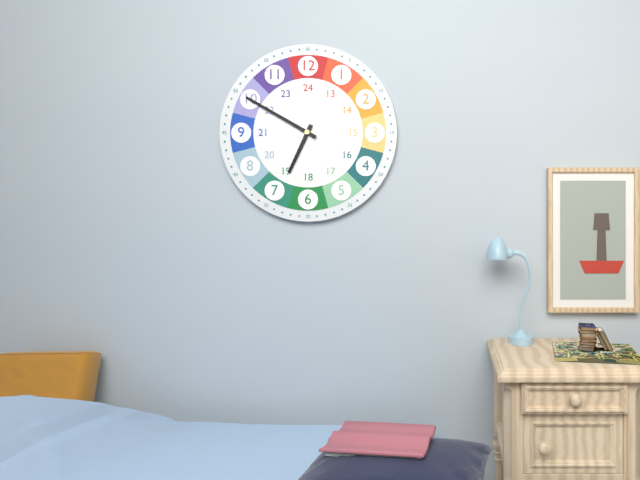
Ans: 6:50
